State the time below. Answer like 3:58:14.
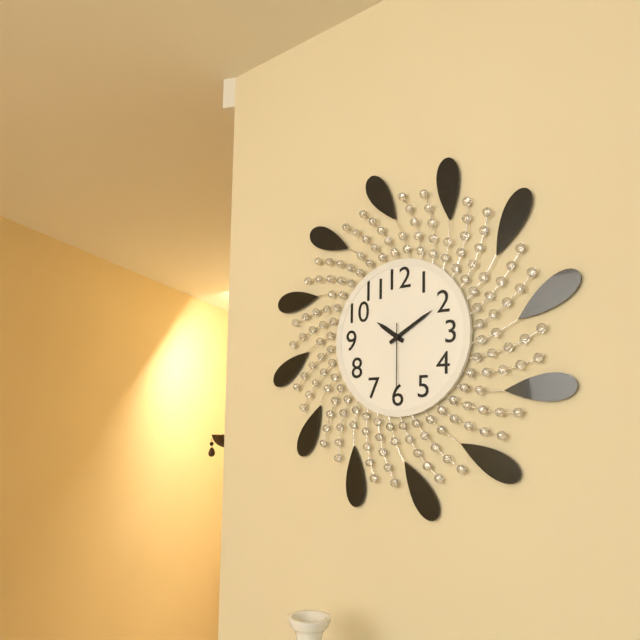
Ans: 10:10:30
